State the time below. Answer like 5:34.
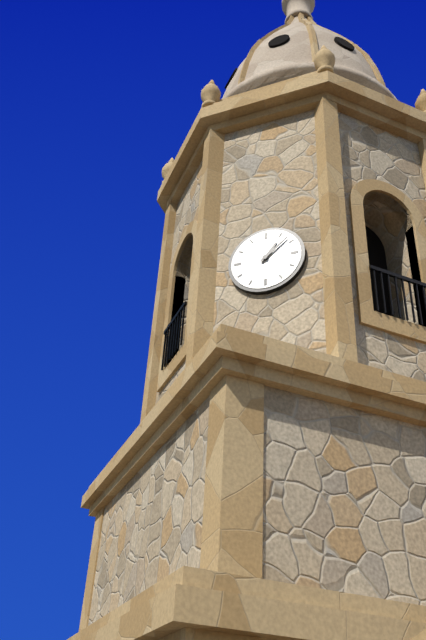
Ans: 1:08
